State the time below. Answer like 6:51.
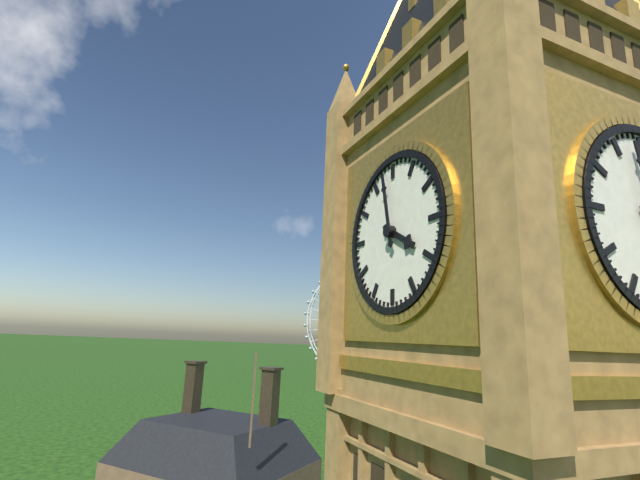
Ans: 3:58
